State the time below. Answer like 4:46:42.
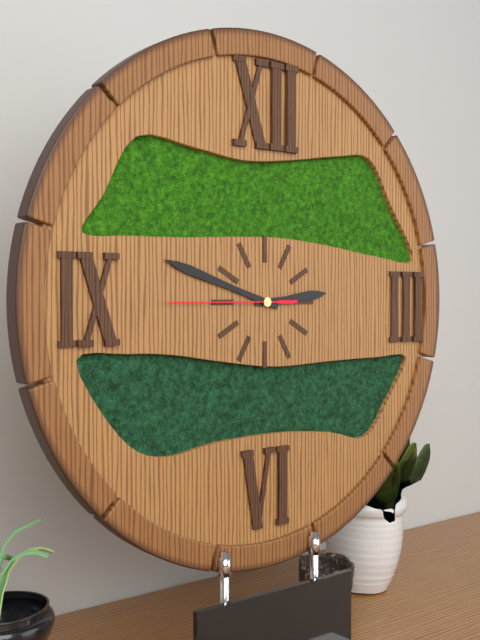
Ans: 2:48:45
